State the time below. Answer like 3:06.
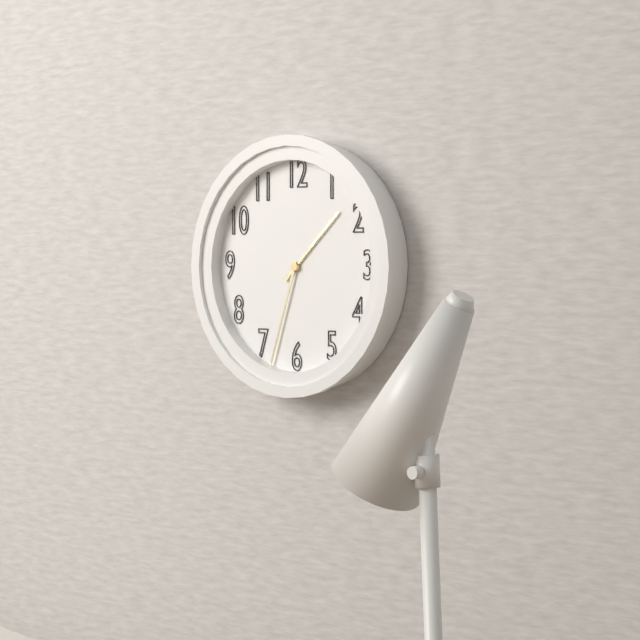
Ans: 1:33
